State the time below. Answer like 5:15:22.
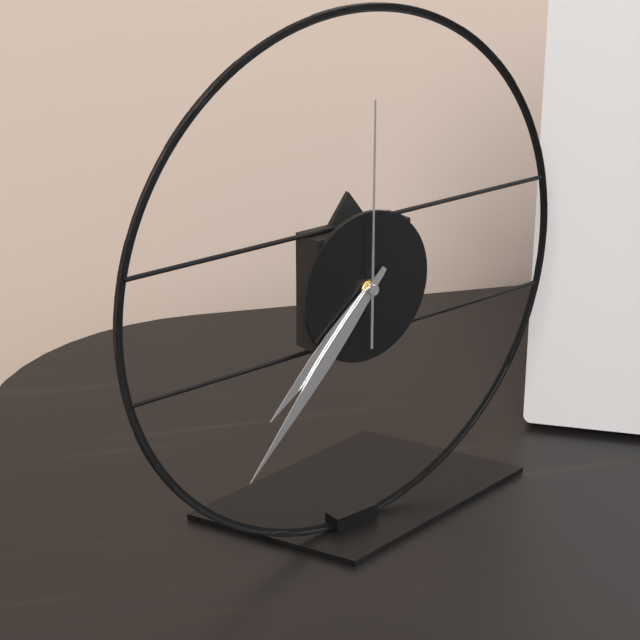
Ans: 7:37:00
